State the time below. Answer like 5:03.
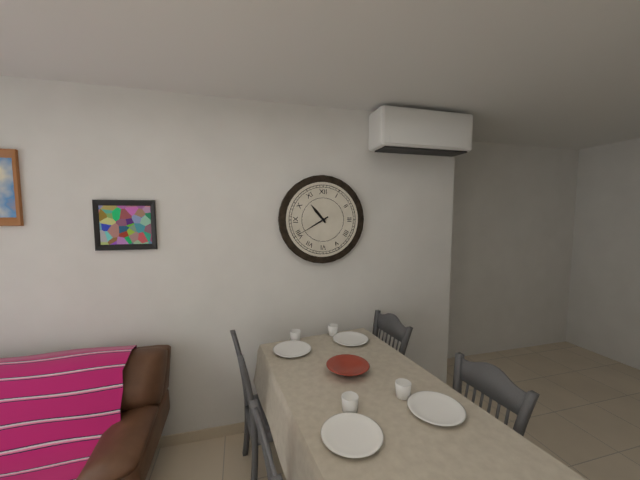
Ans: 10:40
